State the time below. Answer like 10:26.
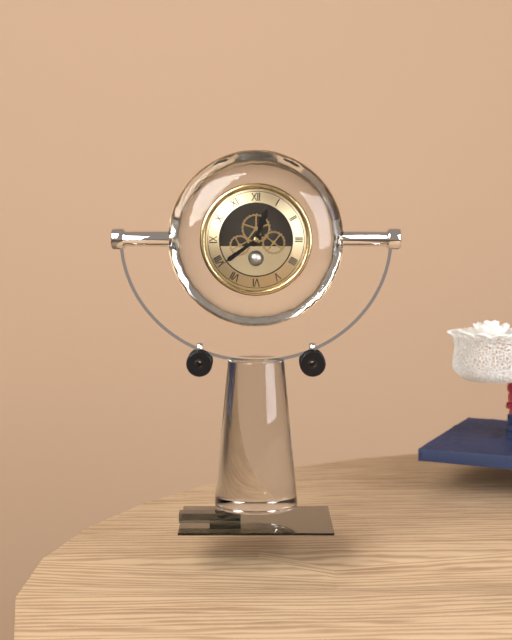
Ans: 12:39
